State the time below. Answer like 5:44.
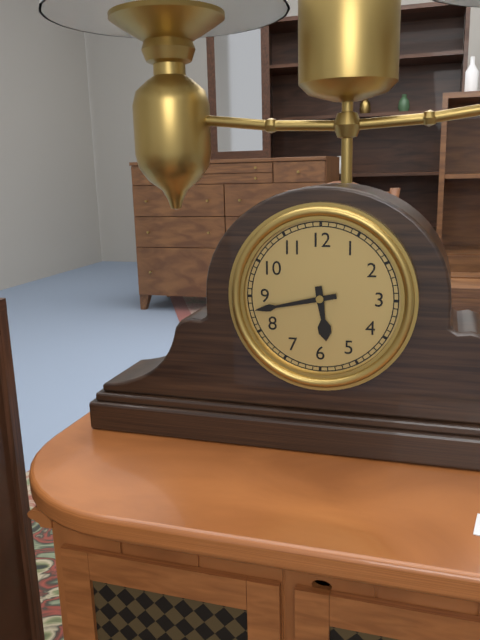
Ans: 5:43
